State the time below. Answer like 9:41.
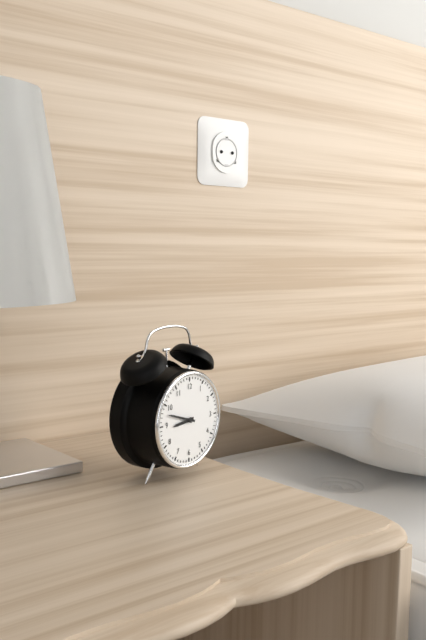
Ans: 8:48
